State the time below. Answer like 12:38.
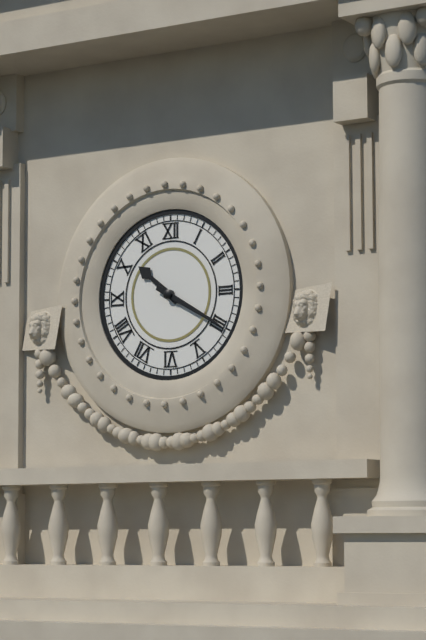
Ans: 10:20
